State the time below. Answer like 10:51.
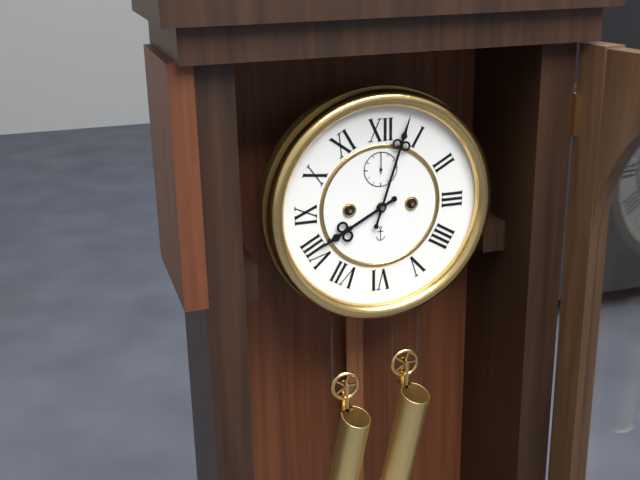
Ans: 8:03
